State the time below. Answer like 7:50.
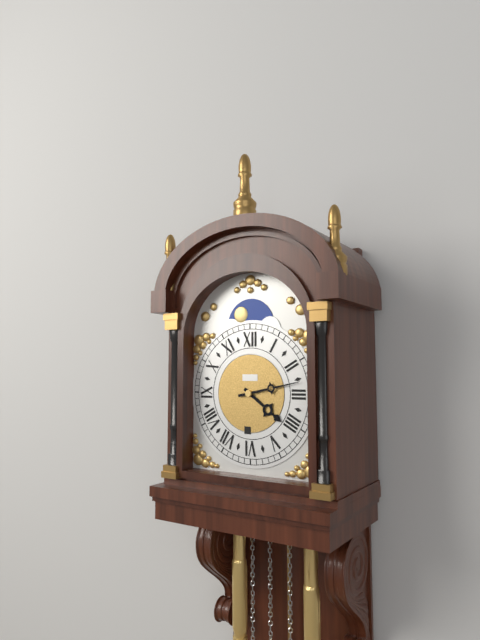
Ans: 4:13
